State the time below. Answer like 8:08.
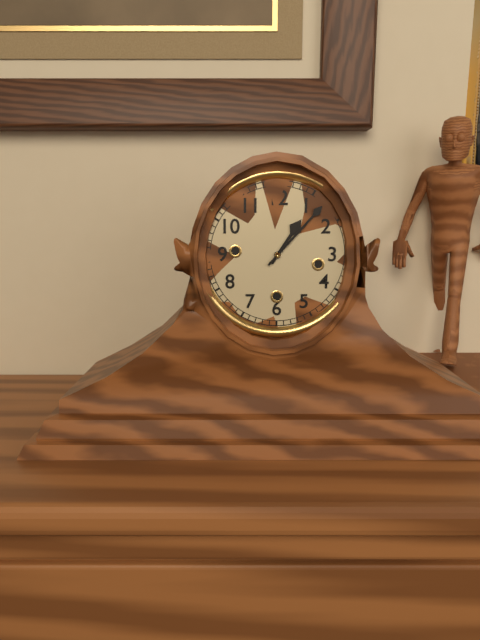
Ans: 1:07
